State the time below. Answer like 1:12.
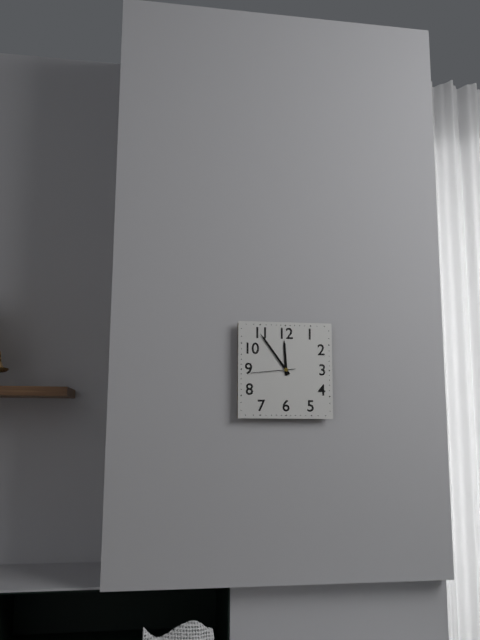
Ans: 11:54
